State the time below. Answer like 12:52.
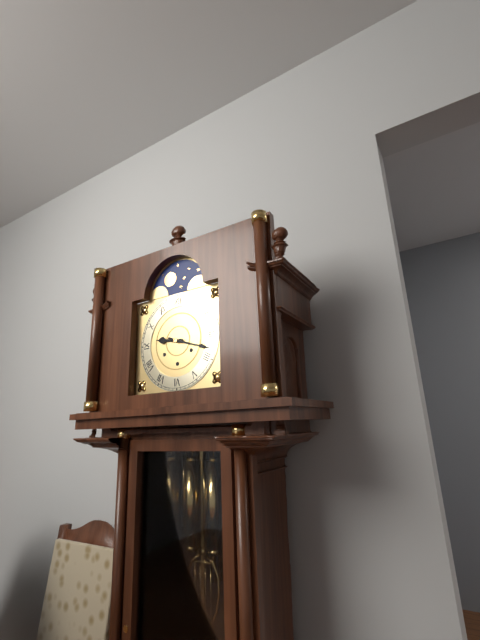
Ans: 9:18
